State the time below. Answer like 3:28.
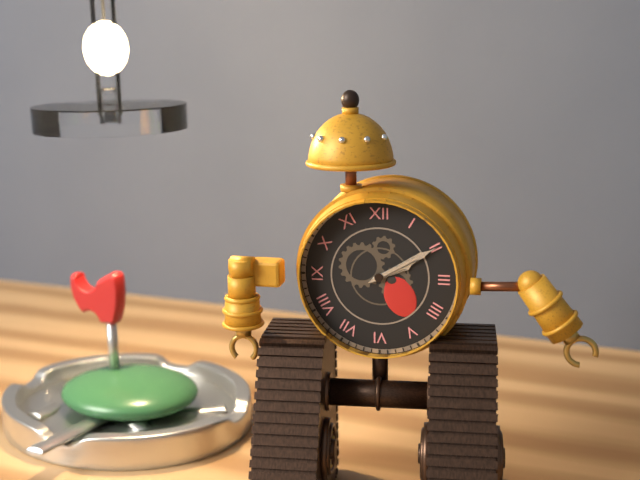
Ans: 2:10
